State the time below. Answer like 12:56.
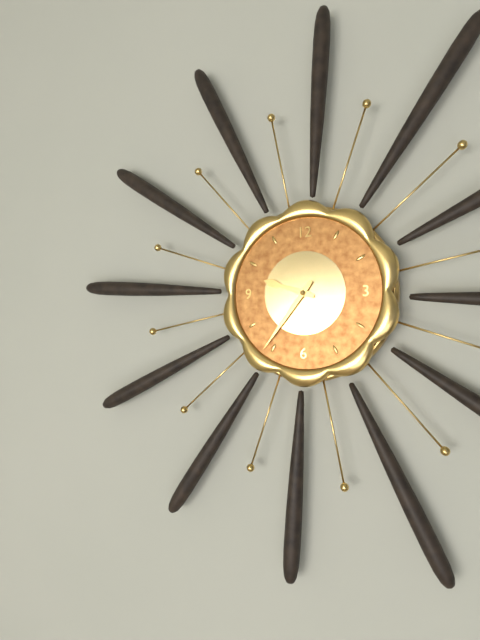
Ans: 9:36
